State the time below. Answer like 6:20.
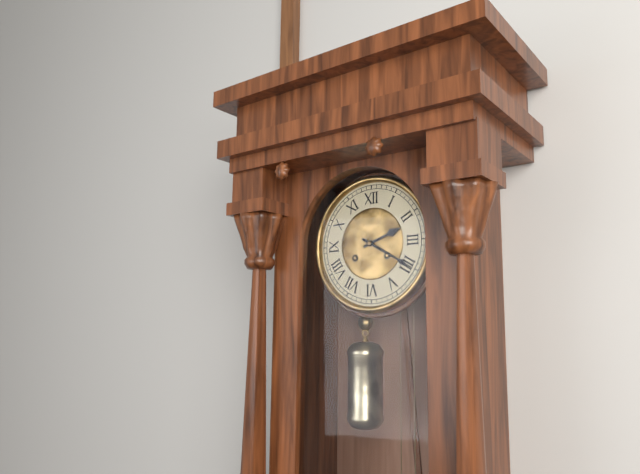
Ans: 2:20
